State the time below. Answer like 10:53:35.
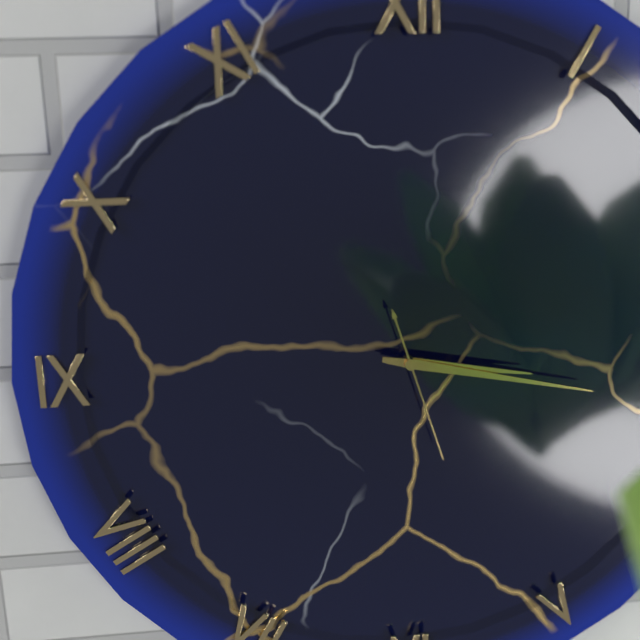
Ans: 3:17:27
